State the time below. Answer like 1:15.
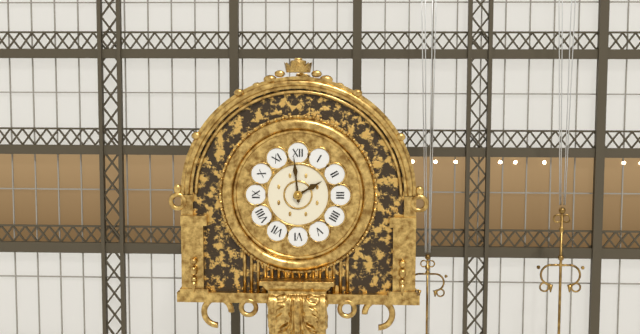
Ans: 1:59
